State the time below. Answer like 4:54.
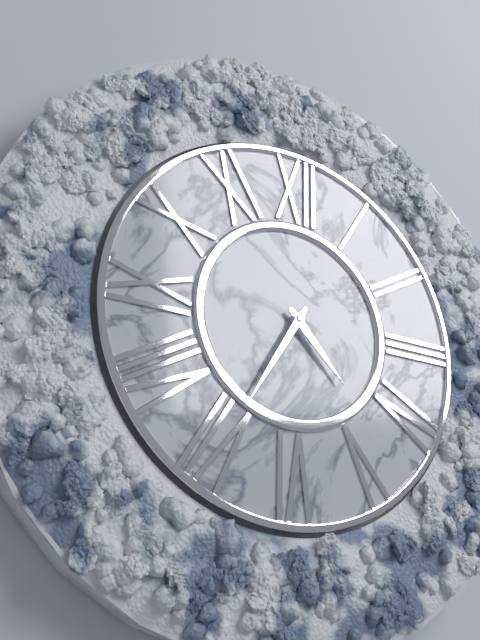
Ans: 4:35
